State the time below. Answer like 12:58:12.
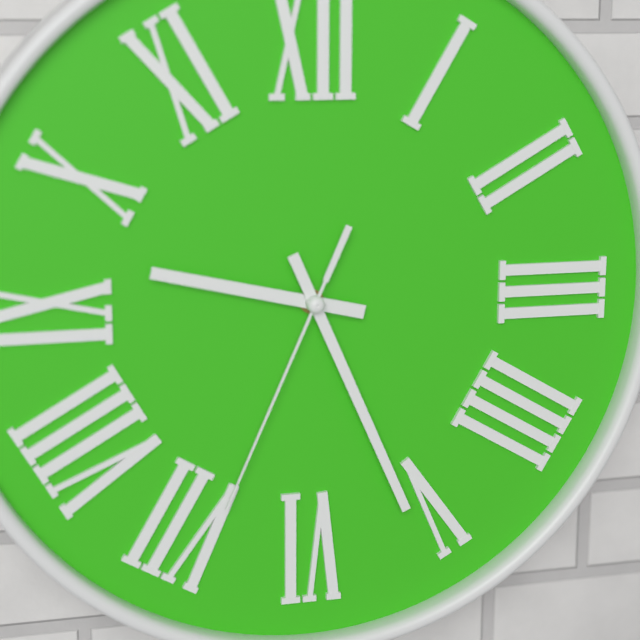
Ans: 9:26:34
